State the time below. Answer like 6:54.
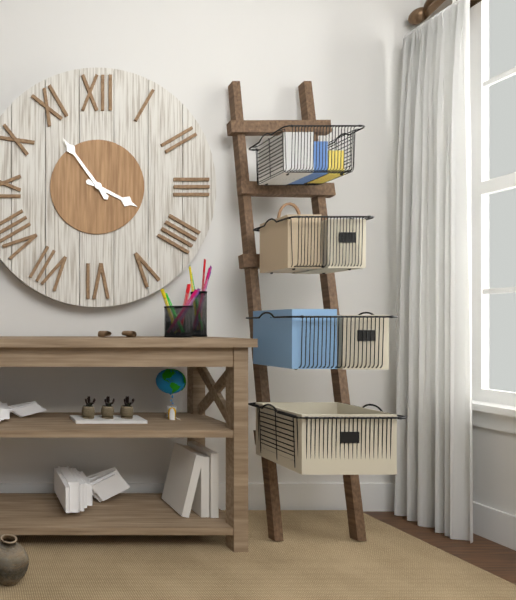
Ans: 3:54
